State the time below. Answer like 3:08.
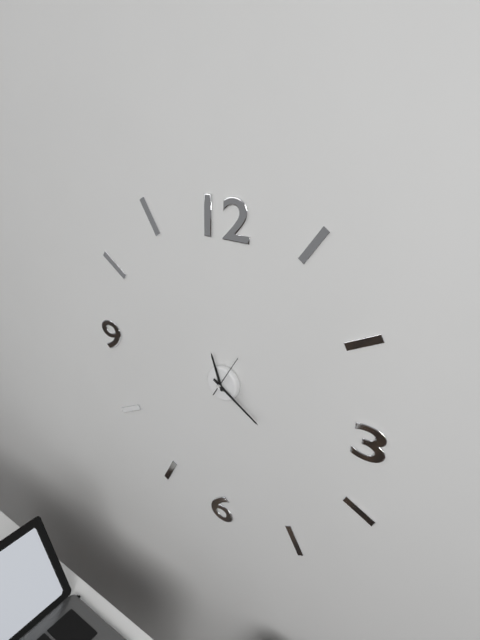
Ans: 11:20
